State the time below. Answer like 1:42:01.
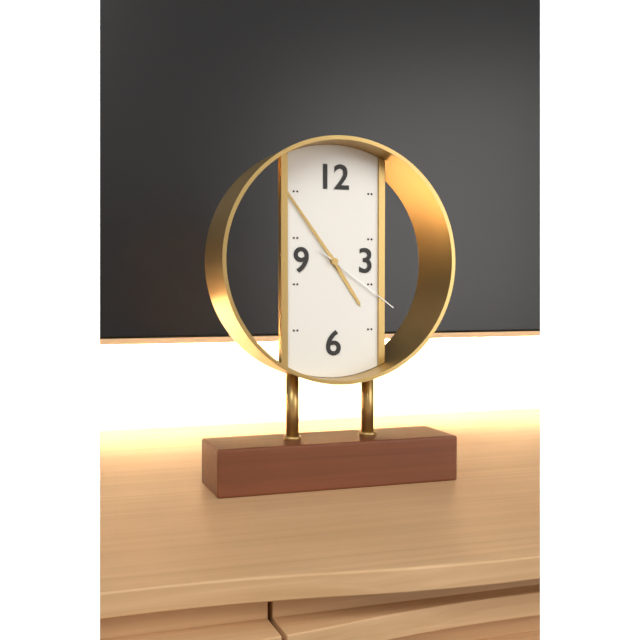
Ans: 4:54:21
